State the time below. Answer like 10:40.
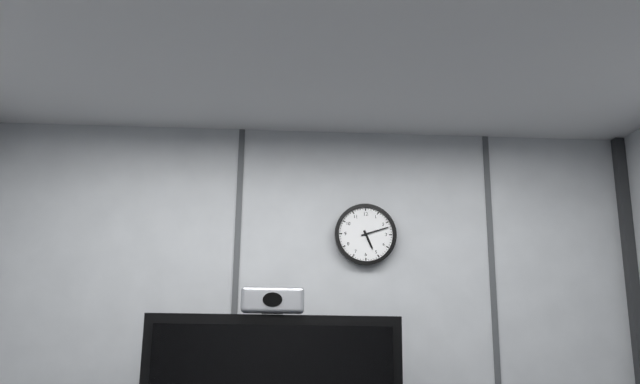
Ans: 5:12
